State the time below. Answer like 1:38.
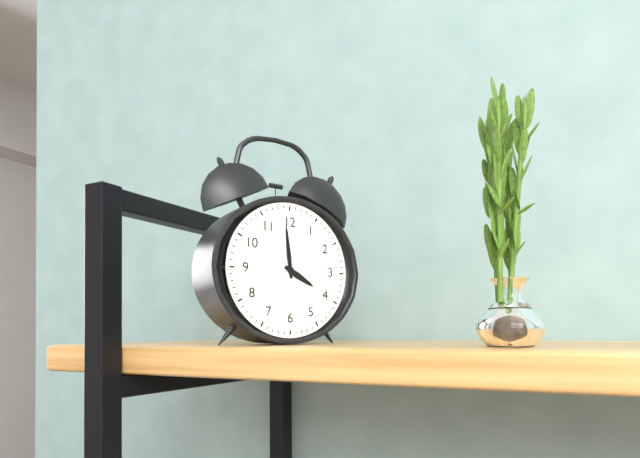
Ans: 3:59
